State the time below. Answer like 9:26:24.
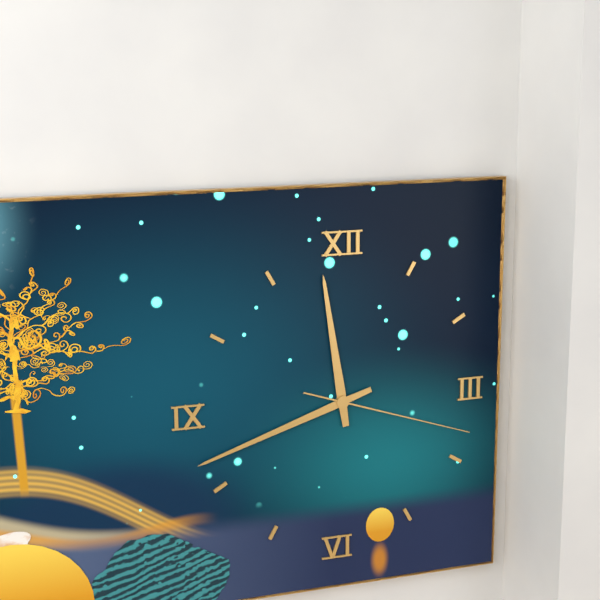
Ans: 11:42:18
